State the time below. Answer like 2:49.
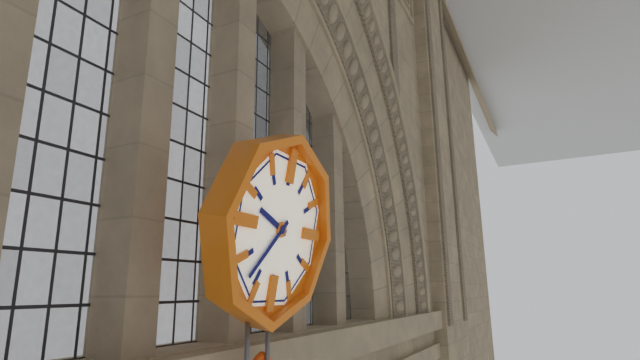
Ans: 9:37
